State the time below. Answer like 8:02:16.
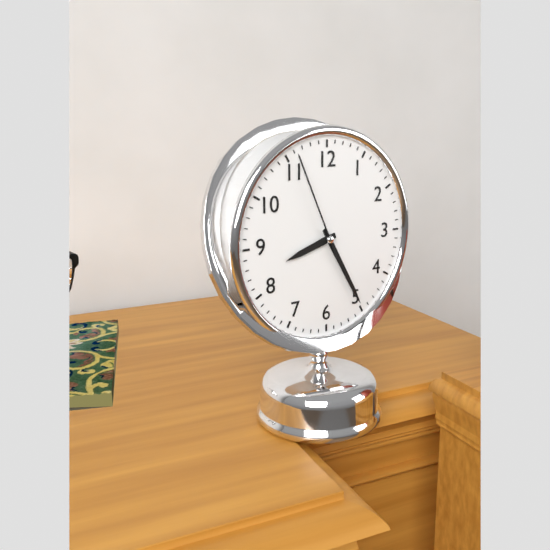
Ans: 8:25:56
